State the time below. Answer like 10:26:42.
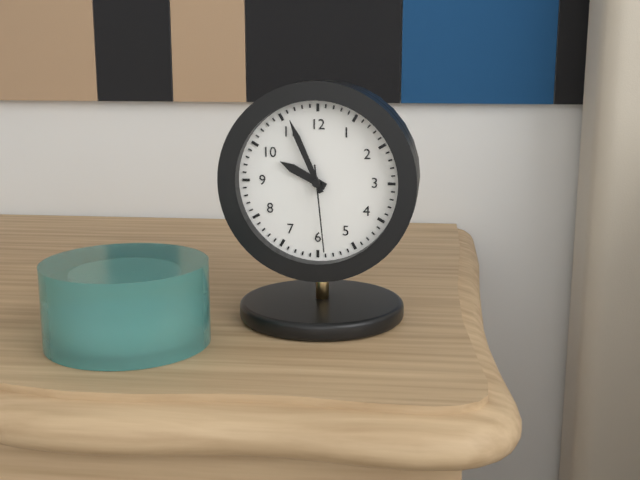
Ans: 9:56:29
